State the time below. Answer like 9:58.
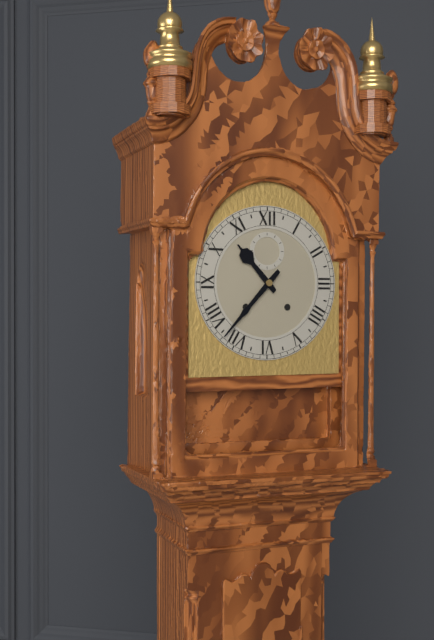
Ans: 10:37
